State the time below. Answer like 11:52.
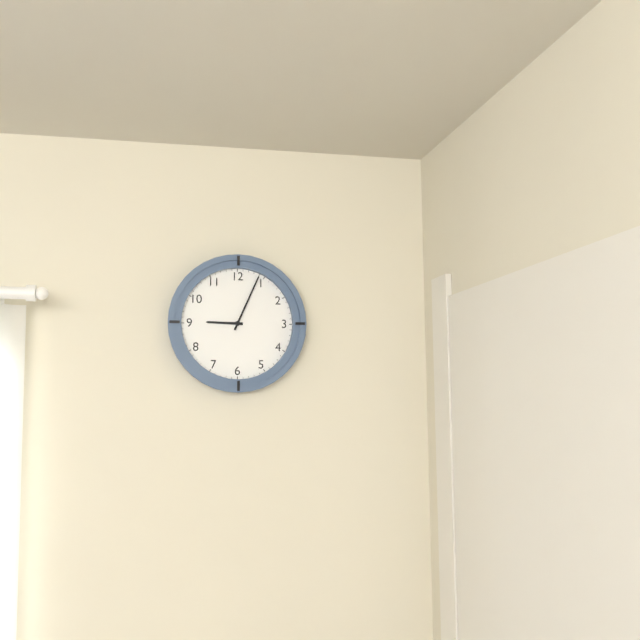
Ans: 9:04
